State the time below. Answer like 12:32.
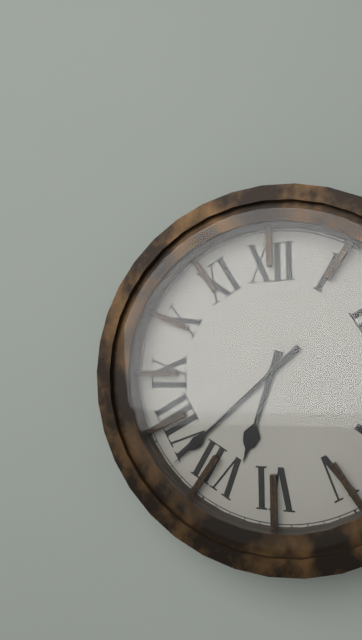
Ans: 6:38
